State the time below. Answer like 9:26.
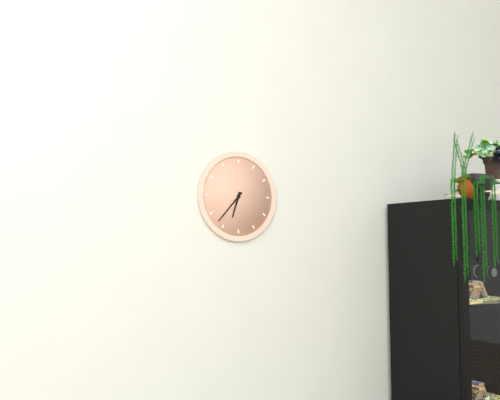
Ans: 6:37
